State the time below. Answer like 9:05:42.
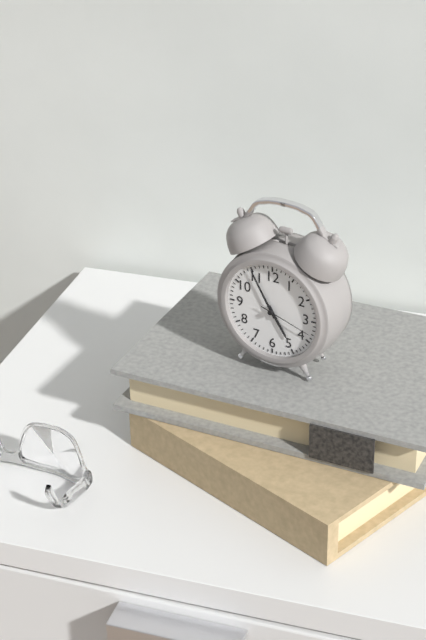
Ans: 4:55:18
